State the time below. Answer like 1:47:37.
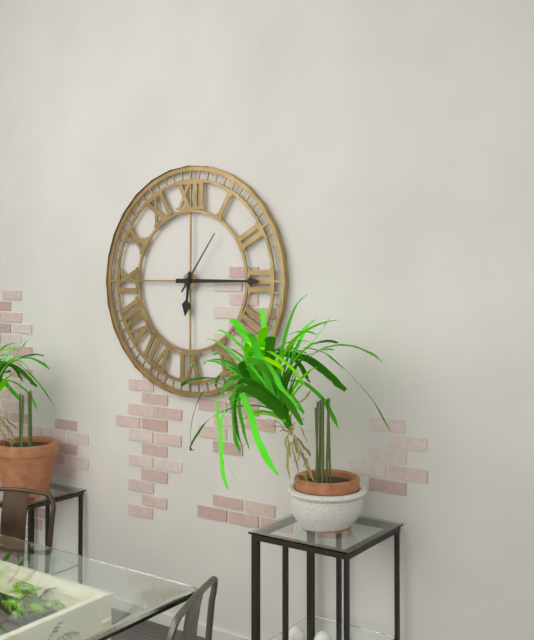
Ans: 6:15:06
